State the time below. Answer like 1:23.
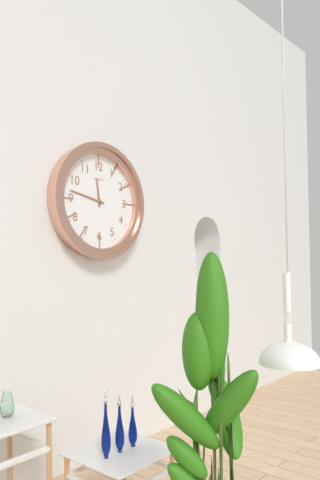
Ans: 11:47
